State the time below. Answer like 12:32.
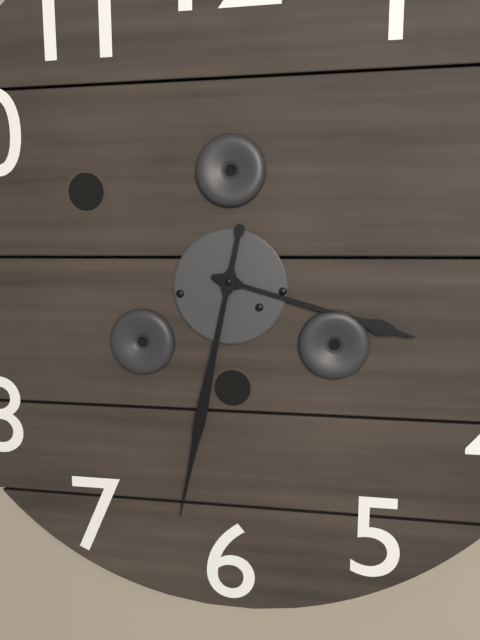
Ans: 3:32
